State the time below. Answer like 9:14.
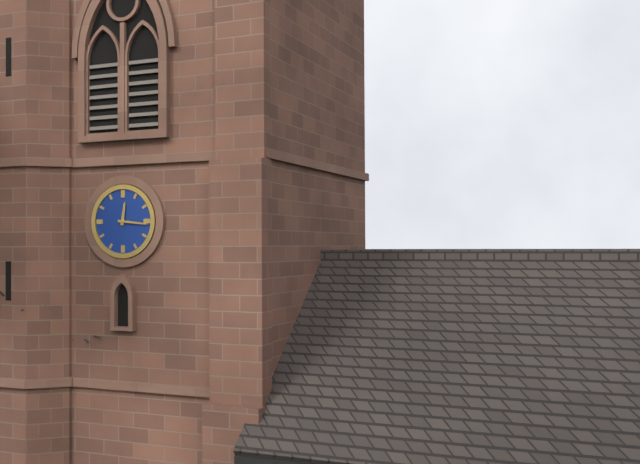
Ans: 12:16
